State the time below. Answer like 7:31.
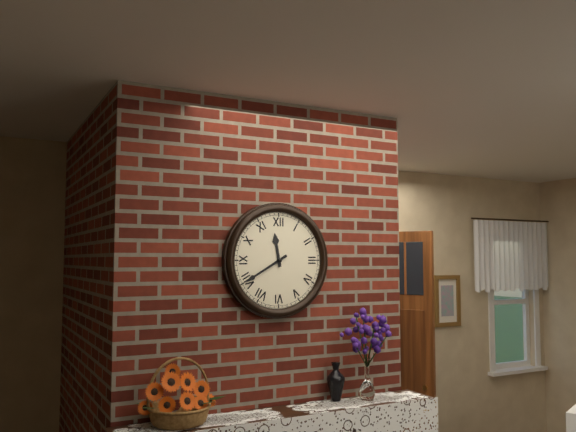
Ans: 11:40
